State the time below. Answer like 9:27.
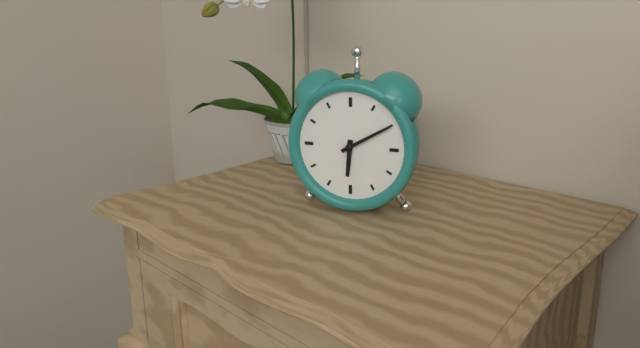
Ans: 6:10
